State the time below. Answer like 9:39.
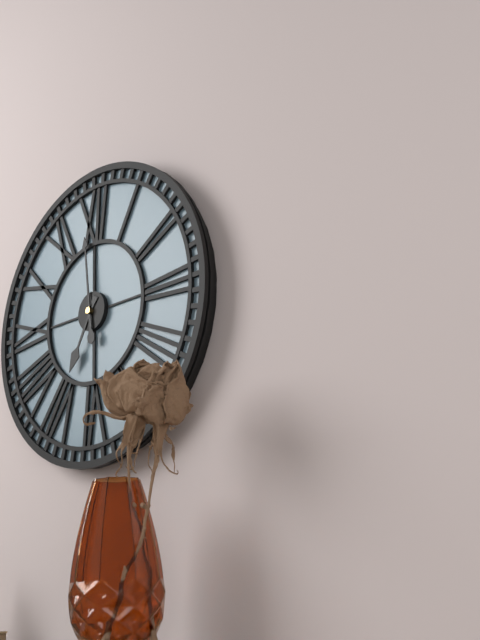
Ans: 6:59
